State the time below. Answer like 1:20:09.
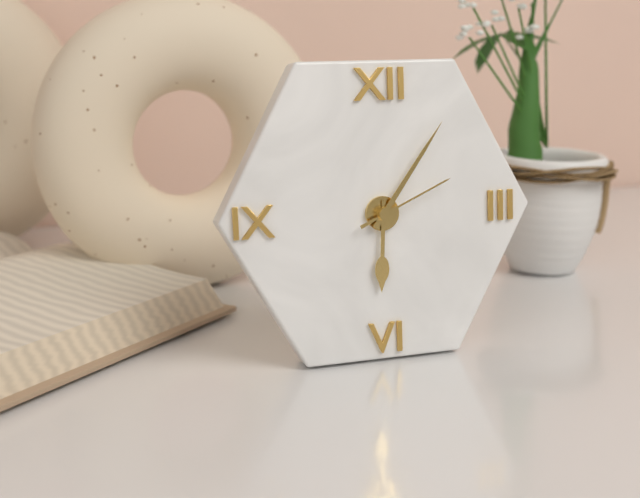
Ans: 6:06:11
